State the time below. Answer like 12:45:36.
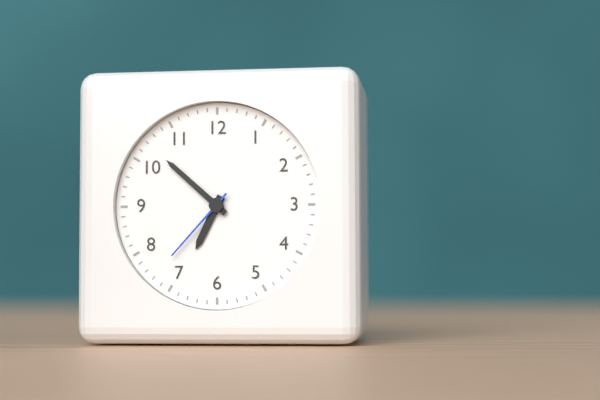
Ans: 6:52:37
